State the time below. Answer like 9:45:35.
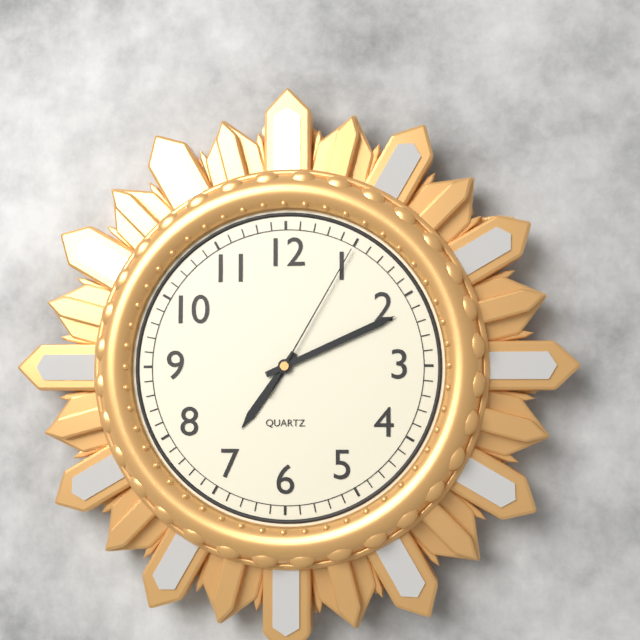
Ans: 7:11:05
